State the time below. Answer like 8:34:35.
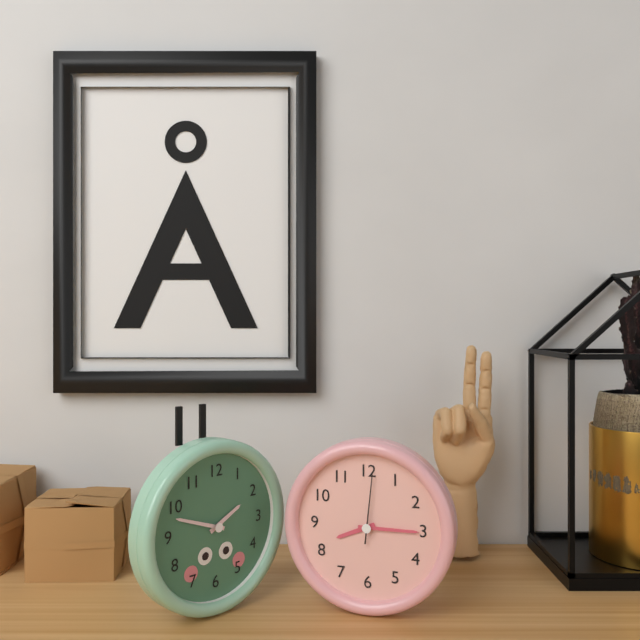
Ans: 8:15:01
